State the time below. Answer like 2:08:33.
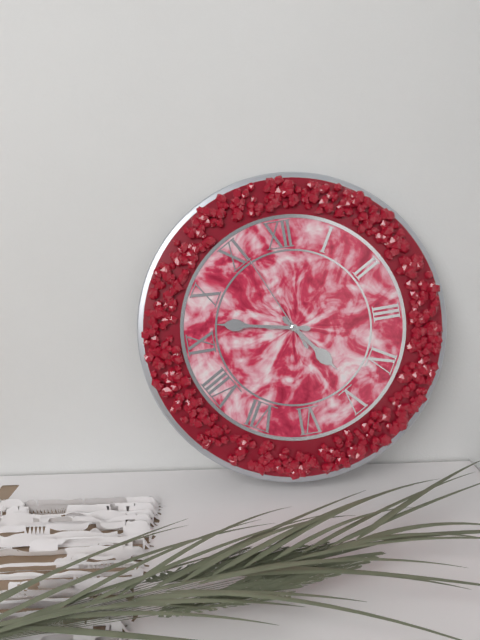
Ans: 4:47:56
